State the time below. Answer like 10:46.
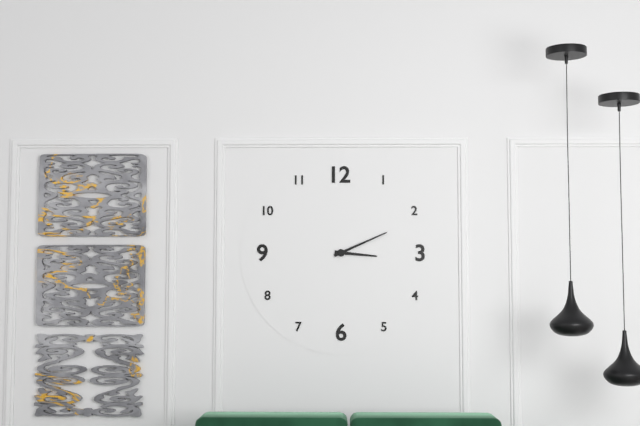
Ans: 3:11
